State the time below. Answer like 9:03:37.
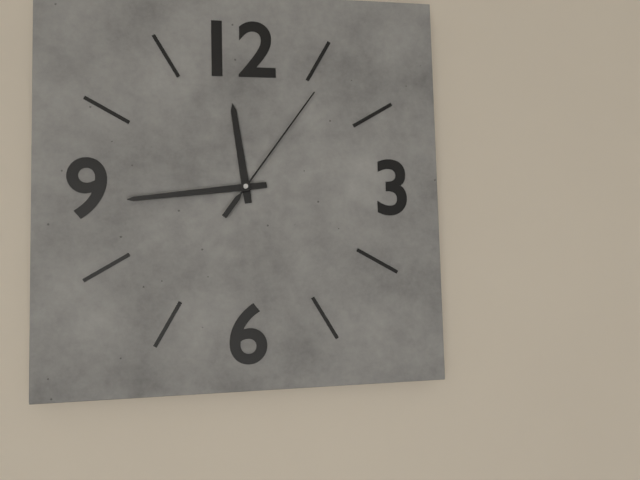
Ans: 11:44:06
